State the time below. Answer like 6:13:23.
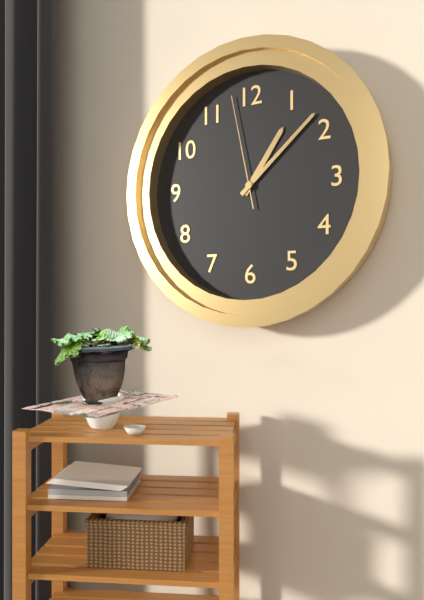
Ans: 1:08:58
